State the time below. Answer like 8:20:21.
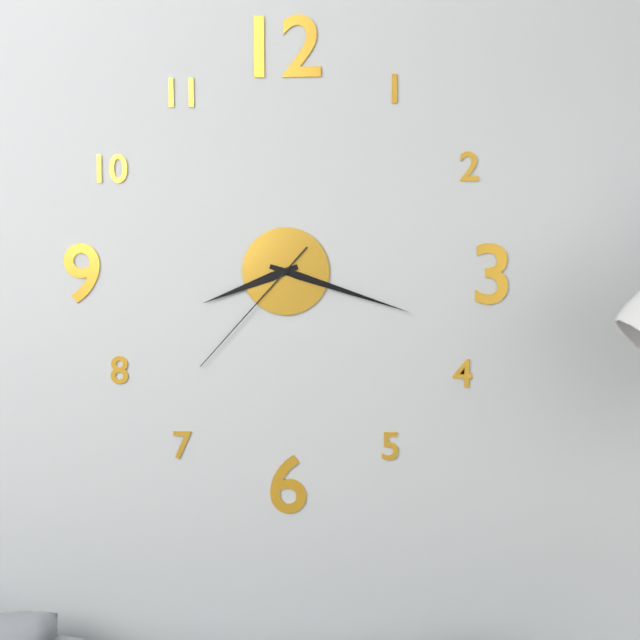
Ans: 8:18:37
